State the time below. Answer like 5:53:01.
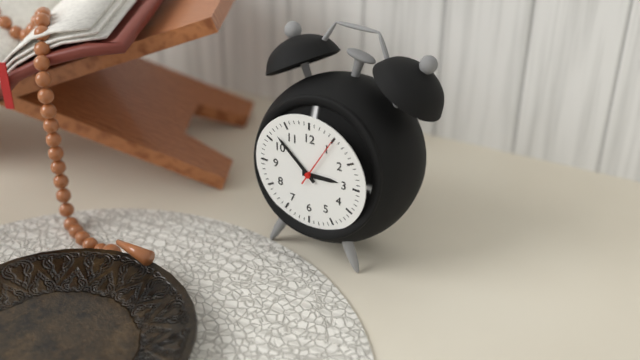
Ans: 2:52:05
